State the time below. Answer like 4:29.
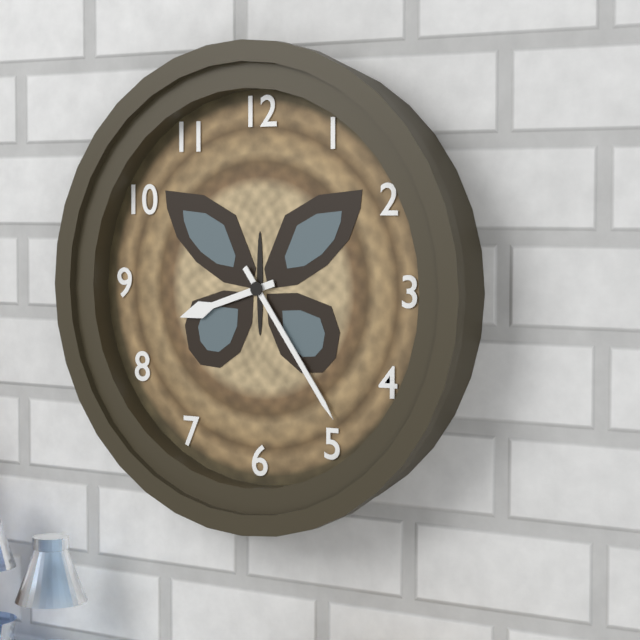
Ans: 8:24
